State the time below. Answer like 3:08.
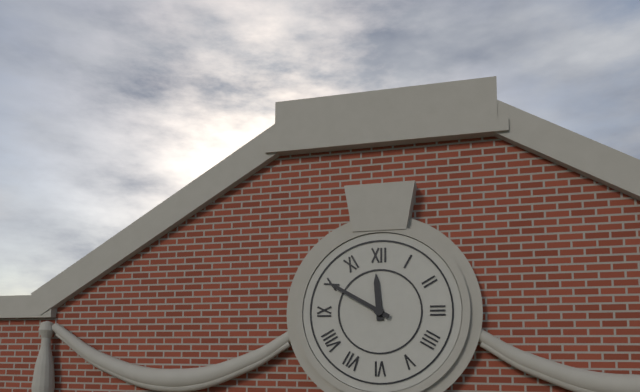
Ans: 11:50
